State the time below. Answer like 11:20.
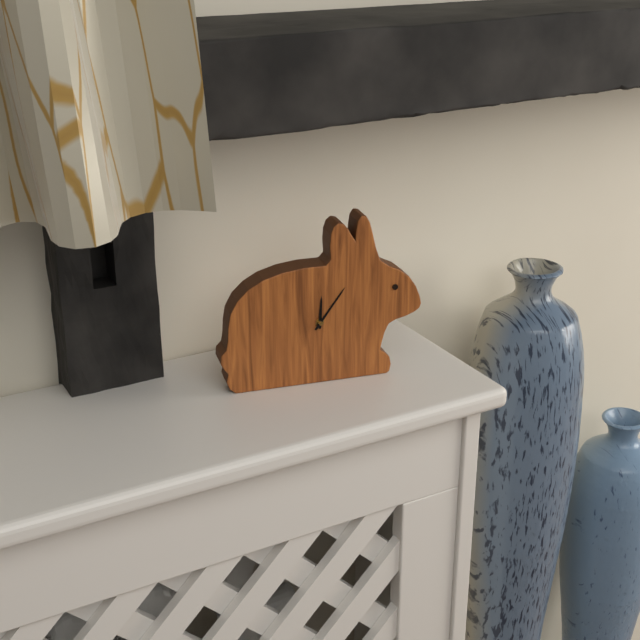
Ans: 12:06
